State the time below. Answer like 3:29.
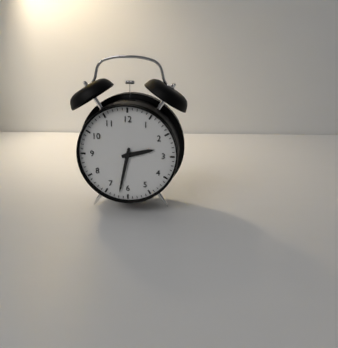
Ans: 2:32
